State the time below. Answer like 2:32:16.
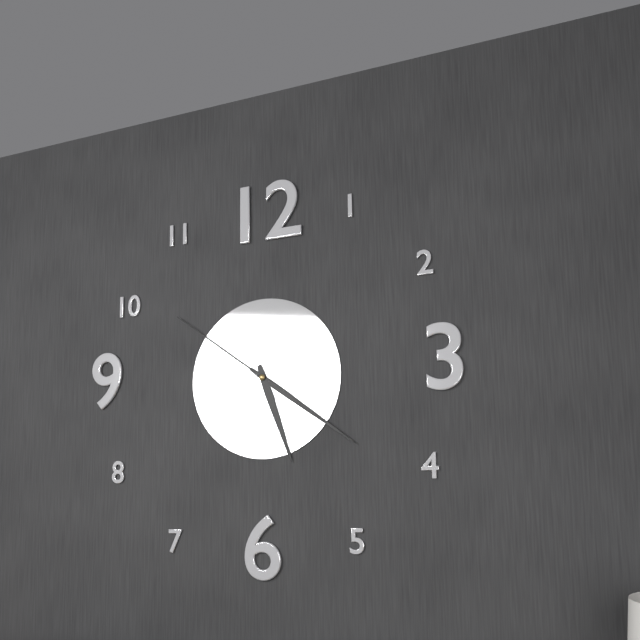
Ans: 5:21:51
